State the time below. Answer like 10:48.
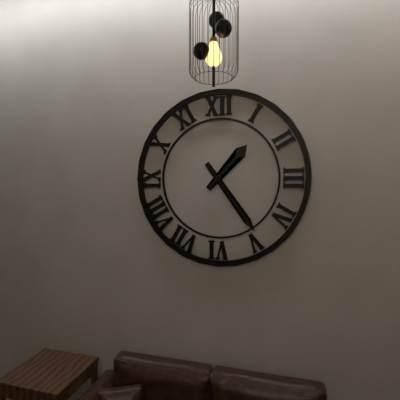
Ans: 1:24
